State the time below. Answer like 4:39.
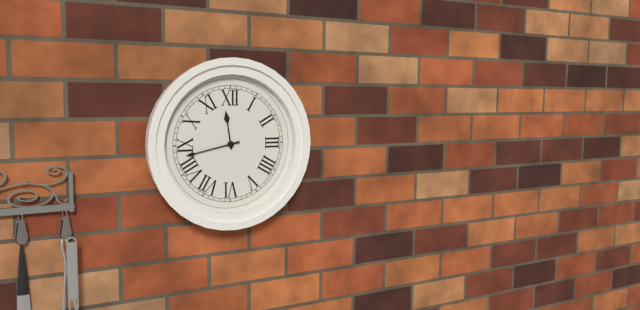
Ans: 11:43
